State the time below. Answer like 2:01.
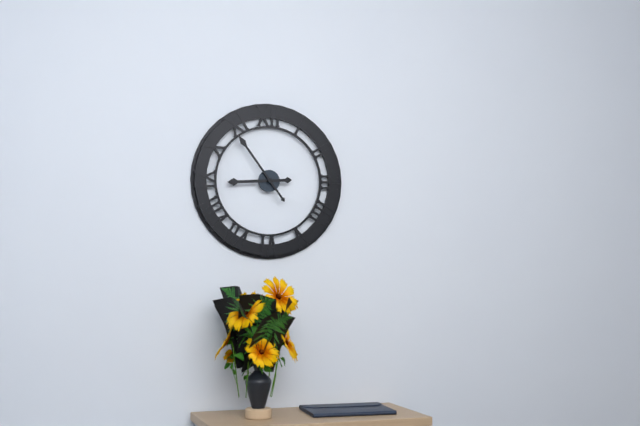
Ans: 8:54
